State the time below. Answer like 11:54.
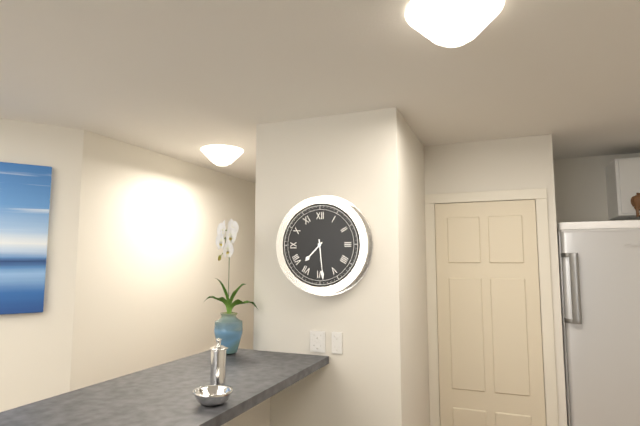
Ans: 7:29
